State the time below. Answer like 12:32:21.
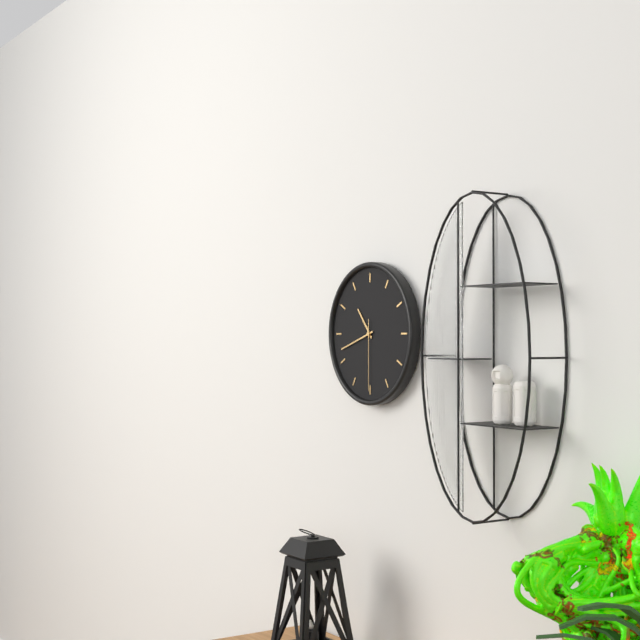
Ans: 10:42:30
